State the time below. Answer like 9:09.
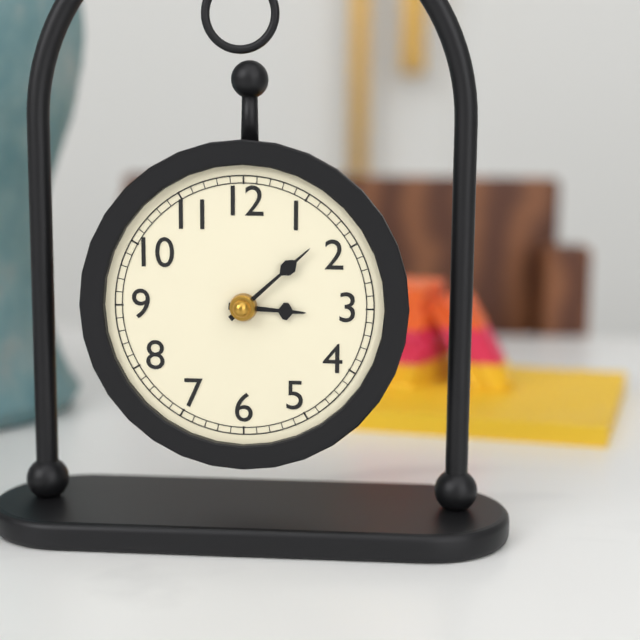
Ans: 3:08
